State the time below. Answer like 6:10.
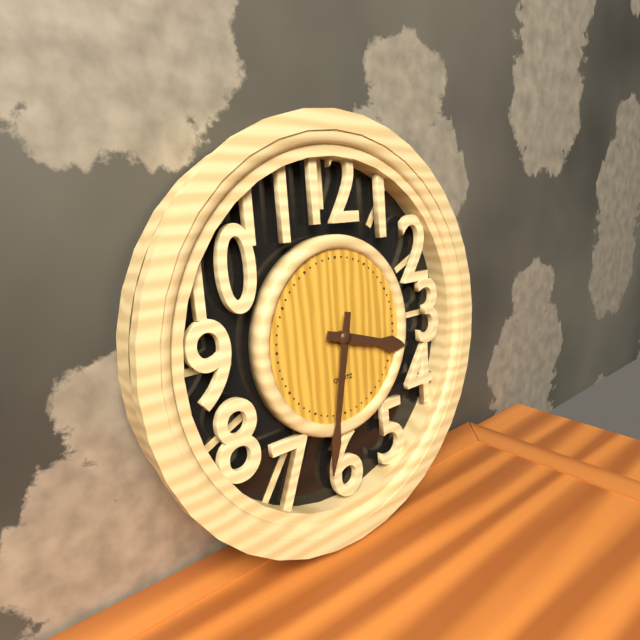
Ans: 3:32
